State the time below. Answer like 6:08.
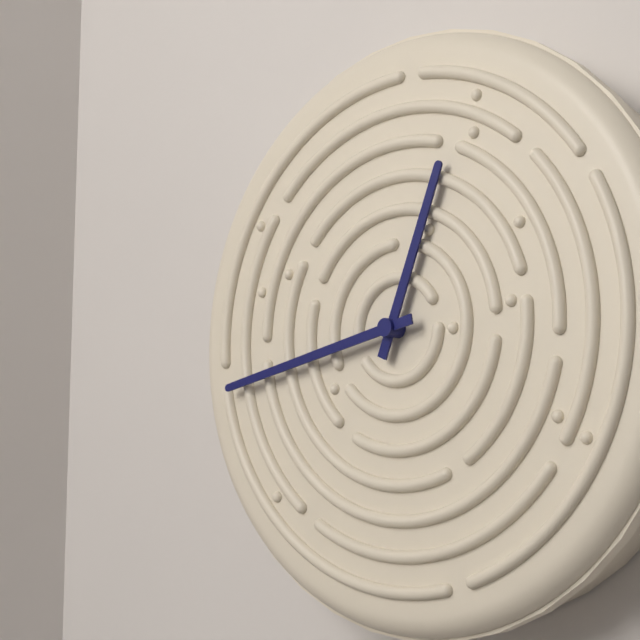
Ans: 12:43
